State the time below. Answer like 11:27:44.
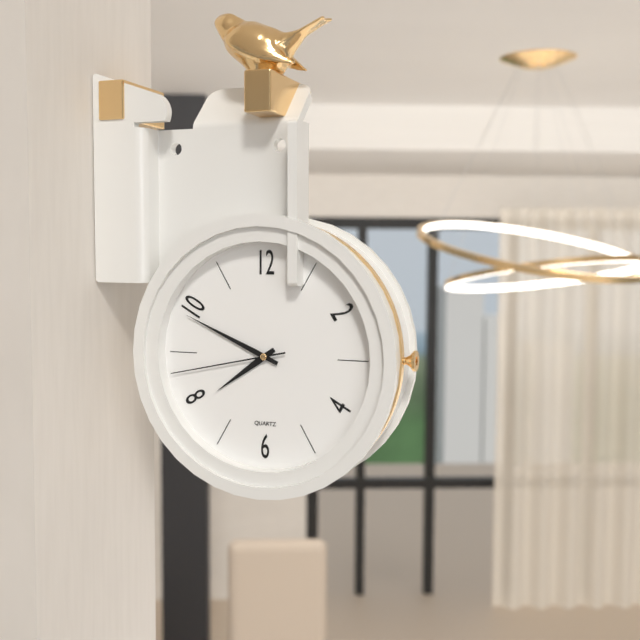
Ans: 7:49:43
